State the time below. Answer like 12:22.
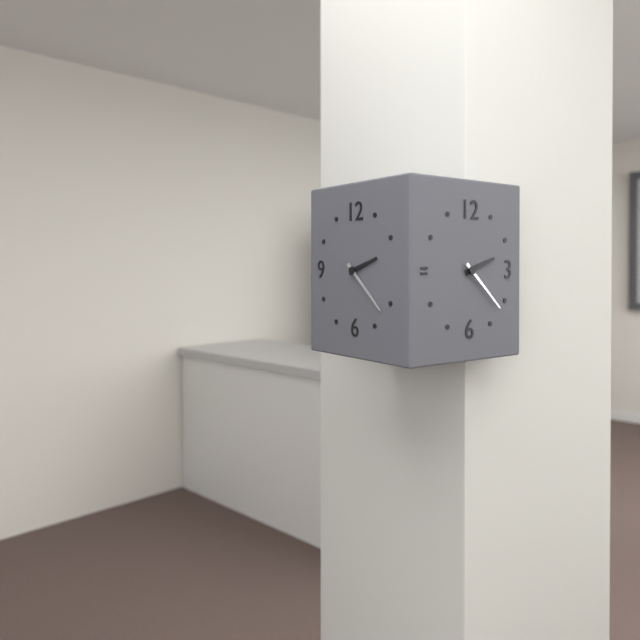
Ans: 2:22
